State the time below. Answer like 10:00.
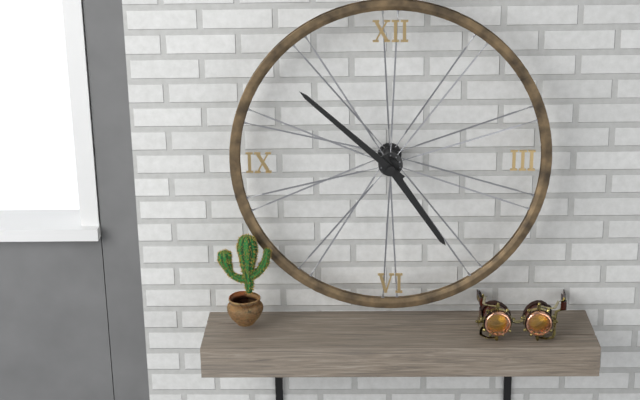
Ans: 4:52
